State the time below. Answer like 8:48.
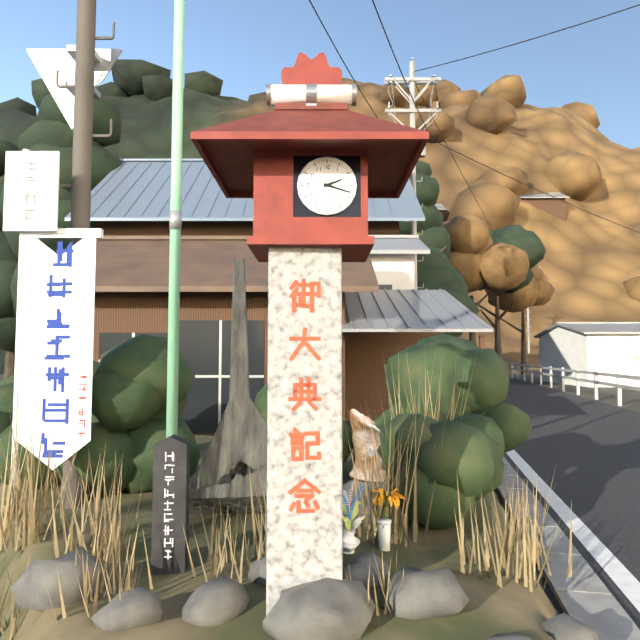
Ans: 2:18
